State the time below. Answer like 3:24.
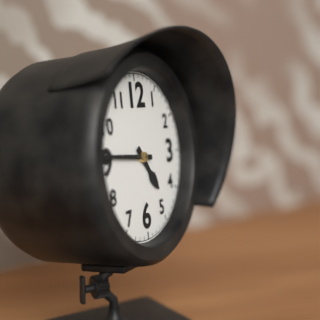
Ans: 4:46
